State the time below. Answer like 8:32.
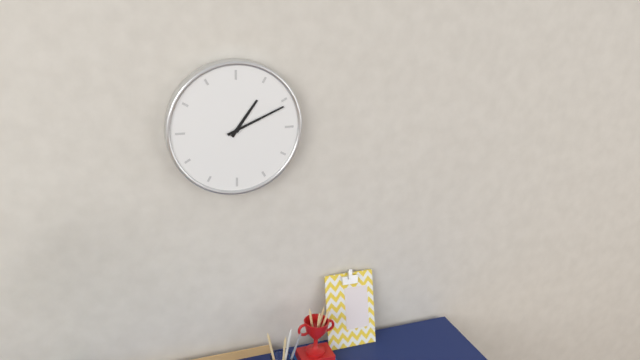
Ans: 1:11
